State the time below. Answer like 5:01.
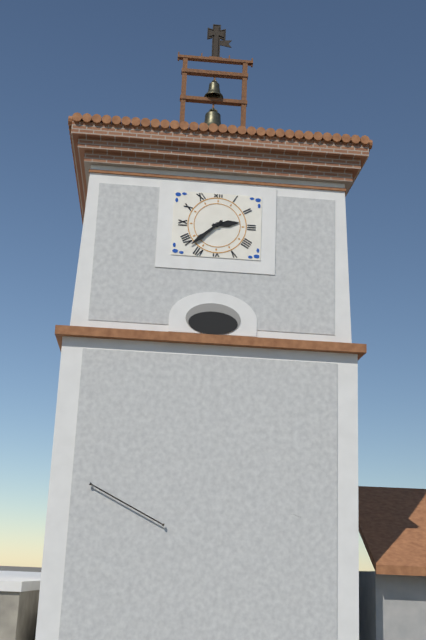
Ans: 2:38
